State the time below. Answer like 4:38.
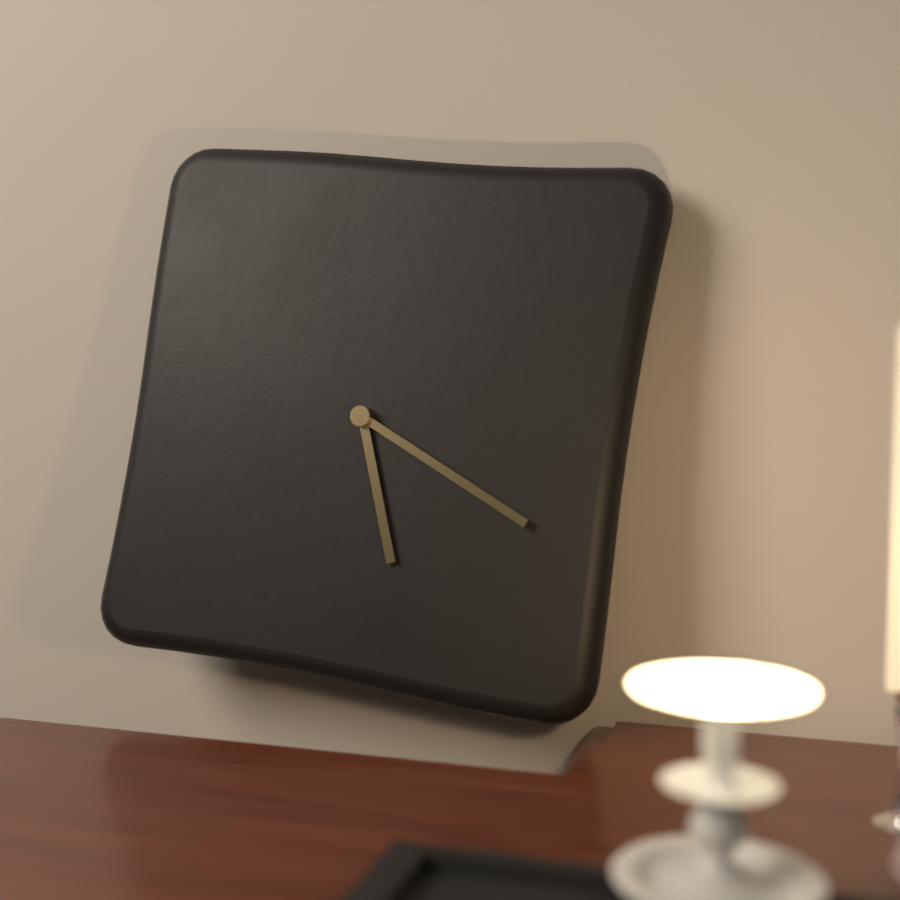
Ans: 5:19
